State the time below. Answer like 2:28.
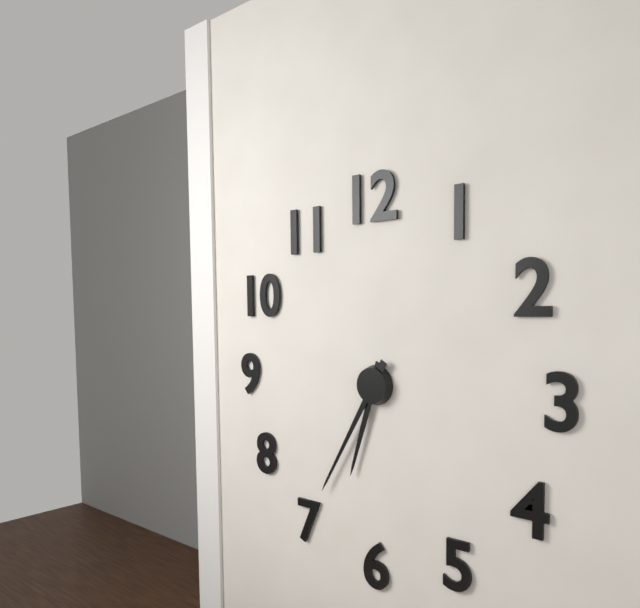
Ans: 6:35
